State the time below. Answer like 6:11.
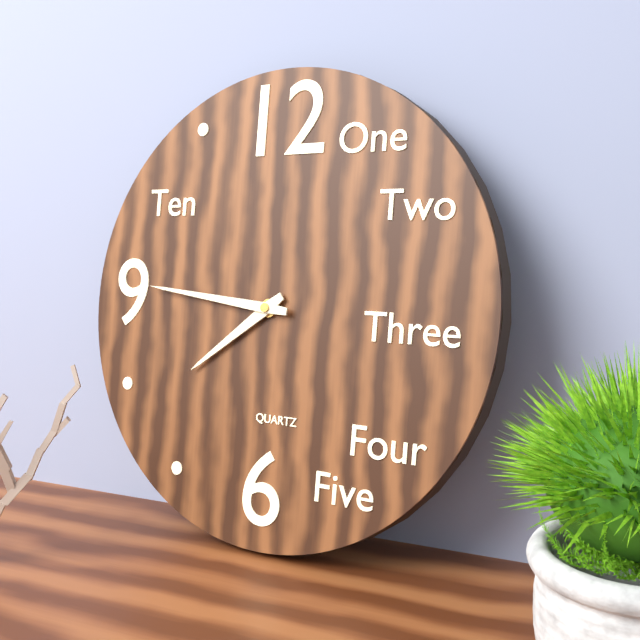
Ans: 7:46
